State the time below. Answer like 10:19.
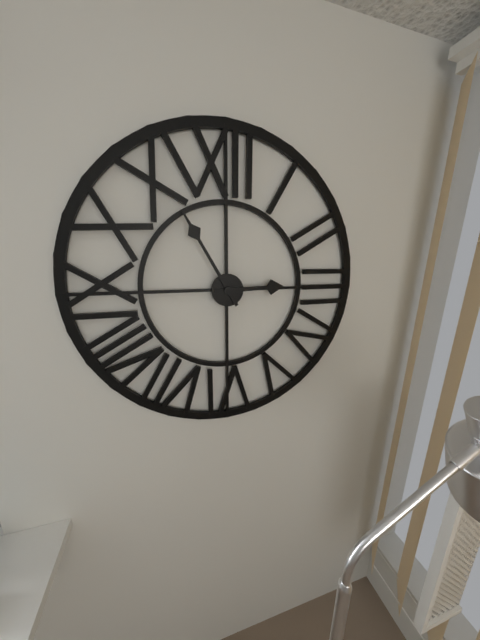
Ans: 2:55
